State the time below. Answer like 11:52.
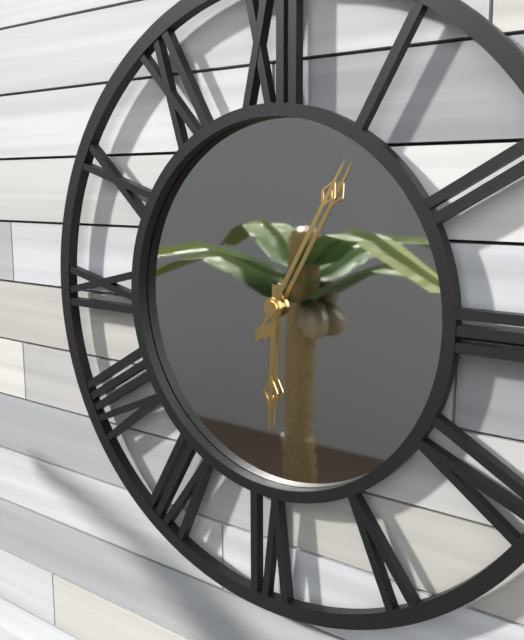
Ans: 6:05
